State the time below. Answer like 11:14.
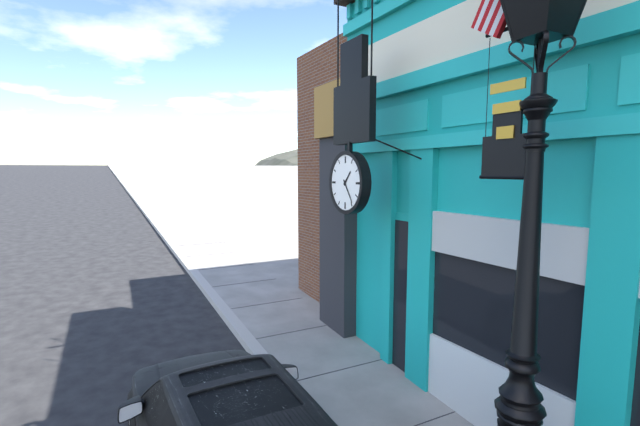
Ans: 1:24
